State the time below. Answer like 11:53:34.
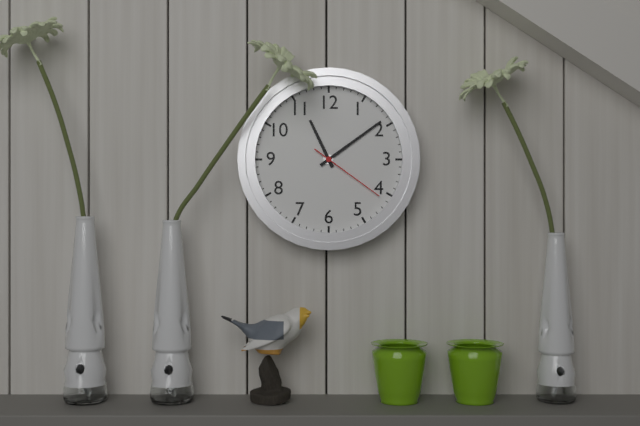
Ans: 11:09:21
